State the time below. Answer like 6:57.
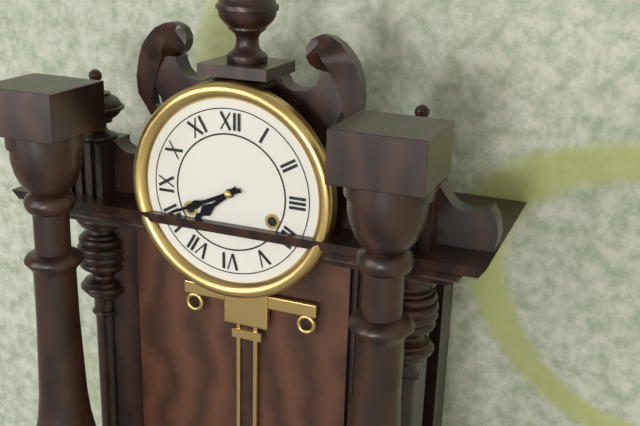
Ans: 7:41
